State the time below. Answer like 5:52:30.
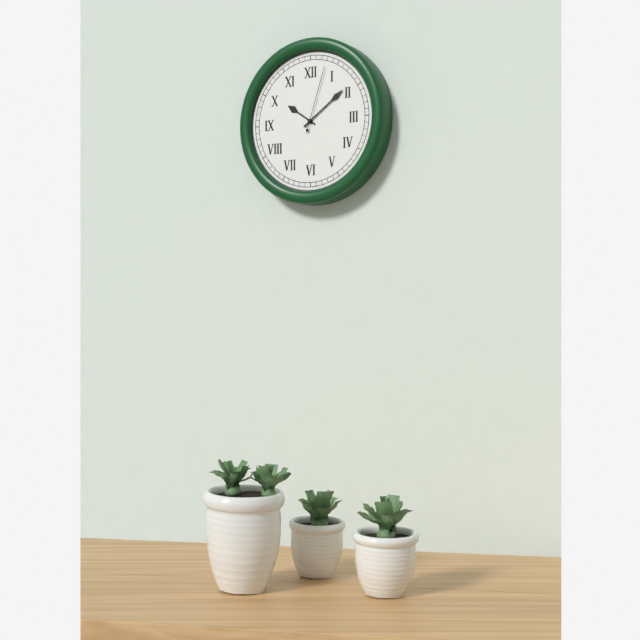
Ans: 10:09:03
